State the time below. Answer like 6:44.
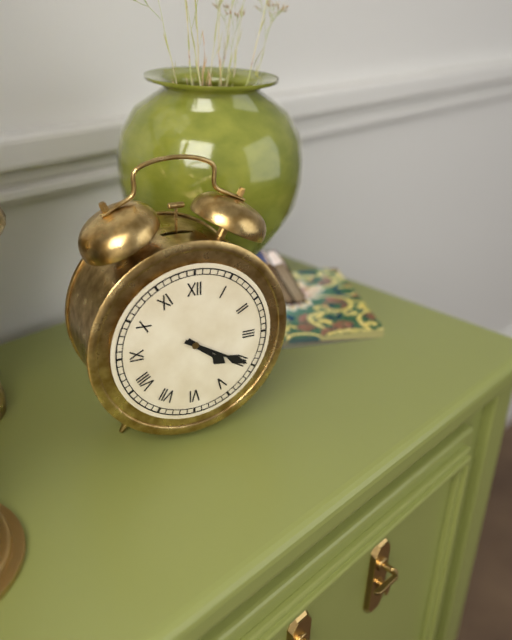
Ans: 4:20
